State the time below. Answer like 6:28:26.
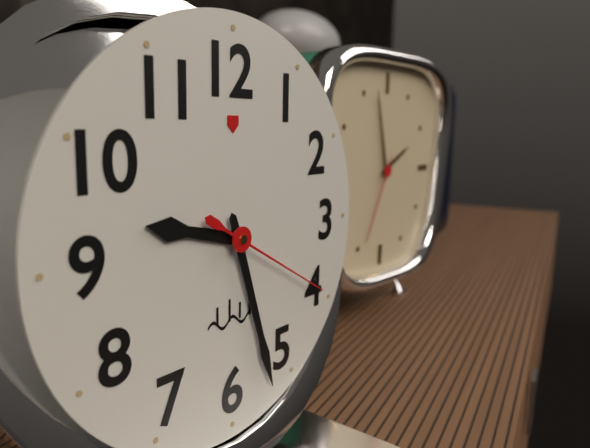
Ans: 9:27:20
